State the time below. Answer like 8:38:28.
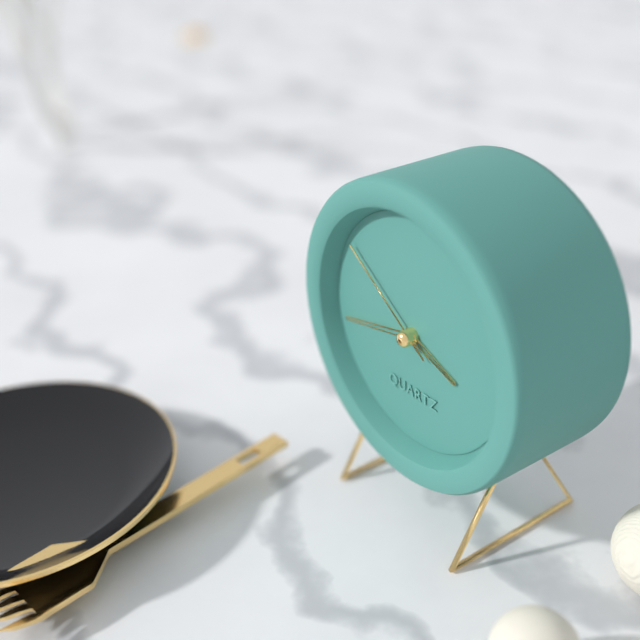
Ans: 3:43:51
